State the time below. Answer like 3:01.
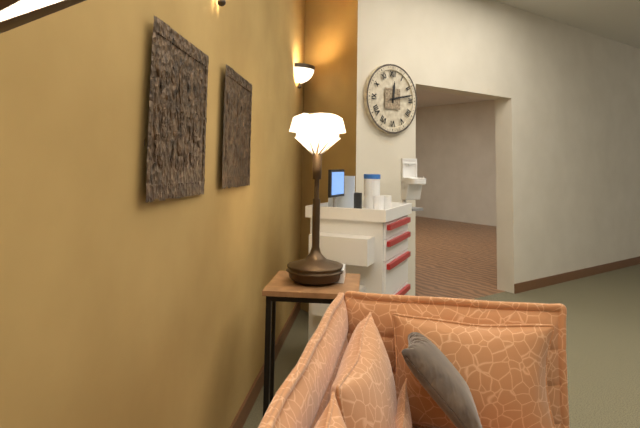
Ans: 12:13
